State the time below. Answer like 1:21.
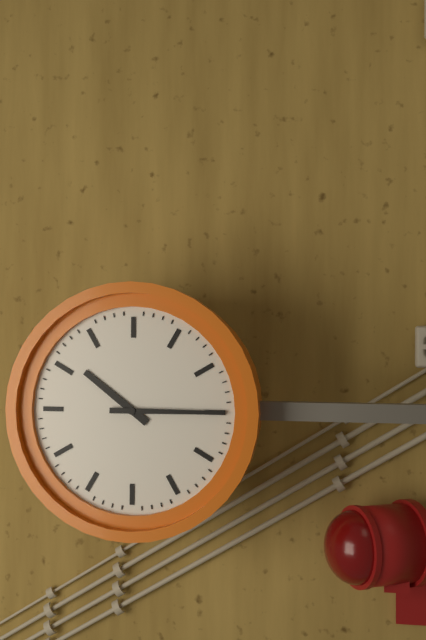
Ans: 10:15
